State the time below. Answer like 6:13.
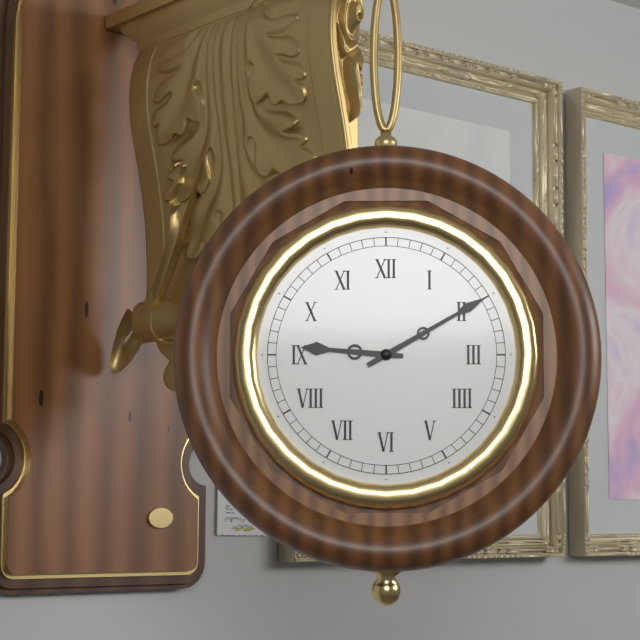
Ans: 9:10
